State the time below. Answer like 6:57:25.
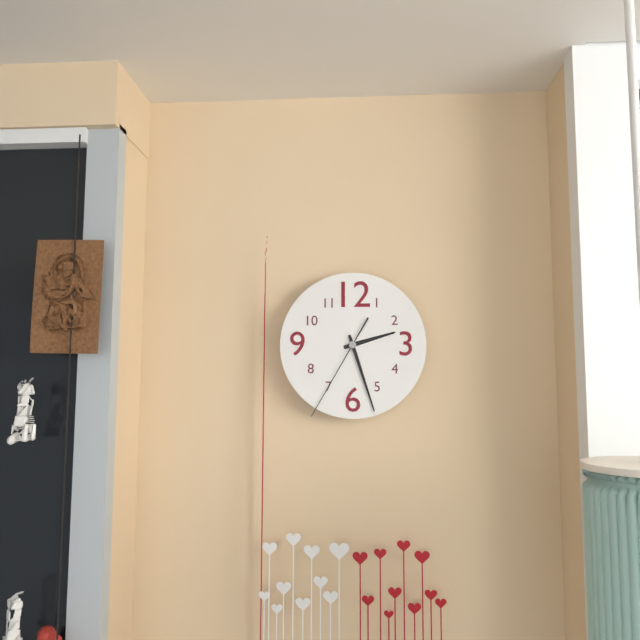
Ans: 2:27:35
